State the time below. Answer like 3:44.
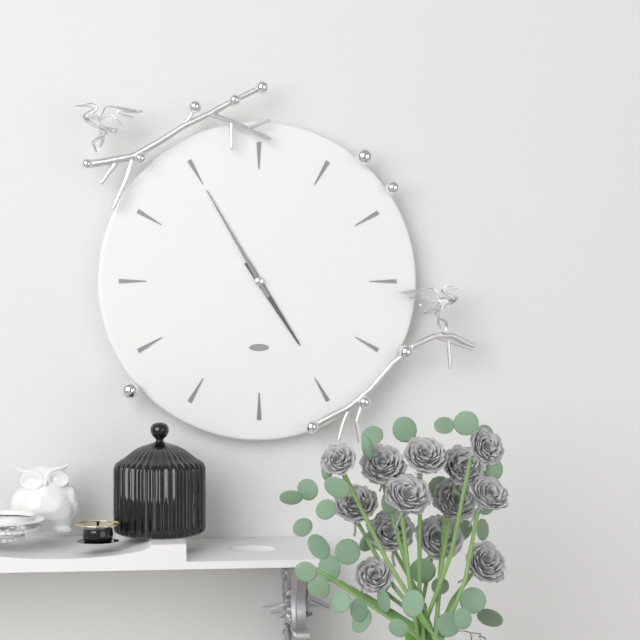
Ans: 4:55
